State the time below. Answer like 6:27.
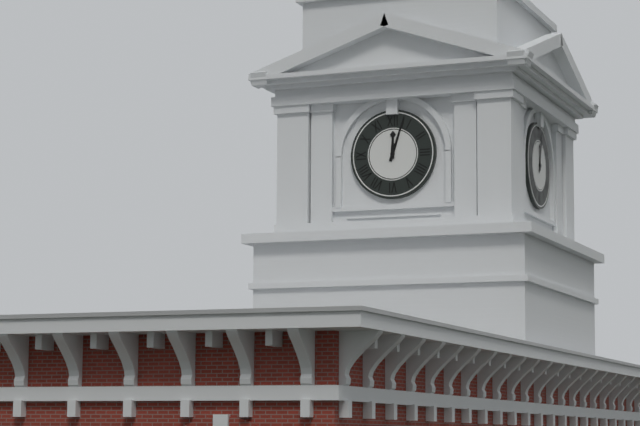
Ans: 12:03
